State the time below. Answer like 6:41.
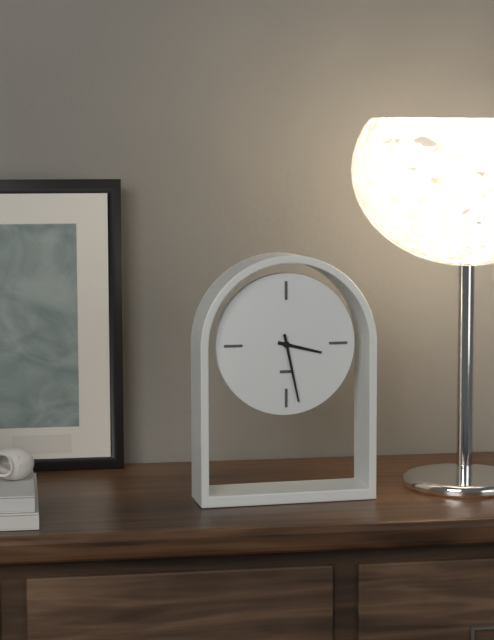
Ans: 3:28
